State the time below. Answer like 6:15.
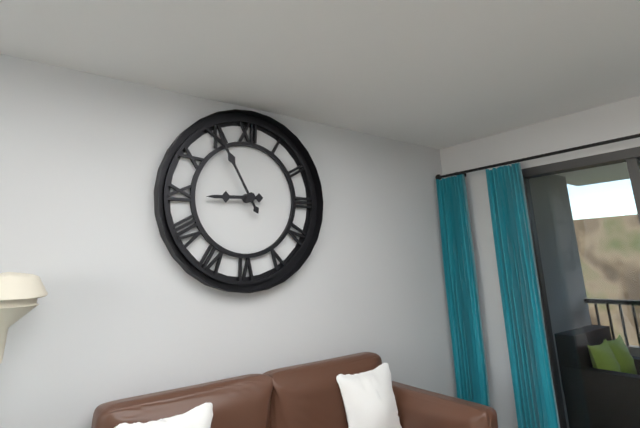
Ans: 8:55
